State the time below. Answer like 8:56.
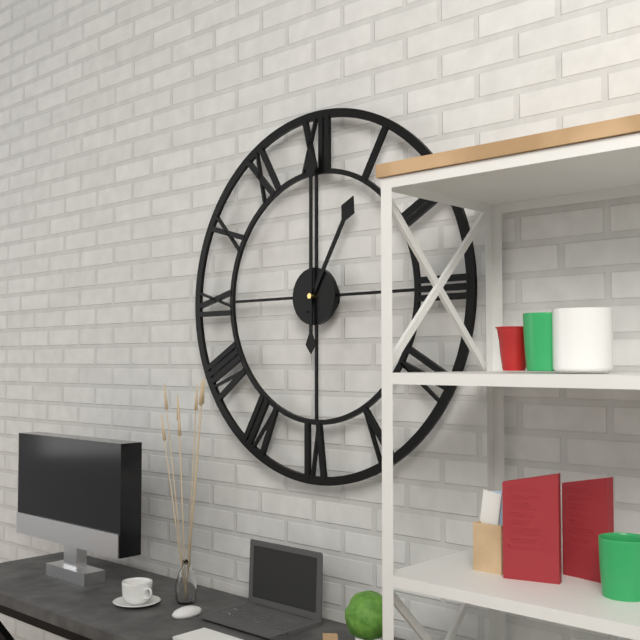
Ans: 1:00
